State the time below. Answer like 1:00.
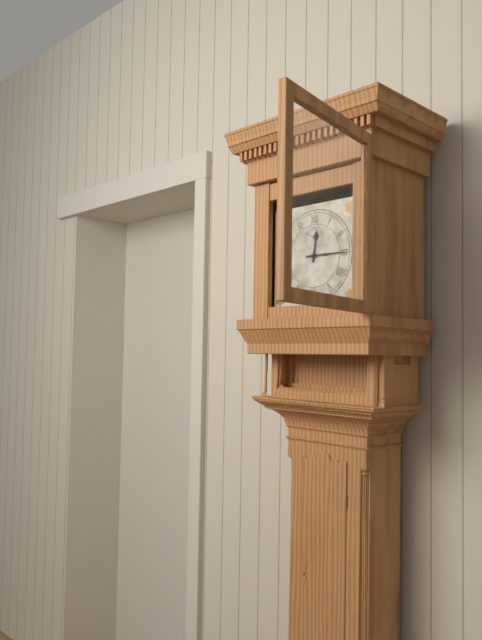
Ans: 12:15
